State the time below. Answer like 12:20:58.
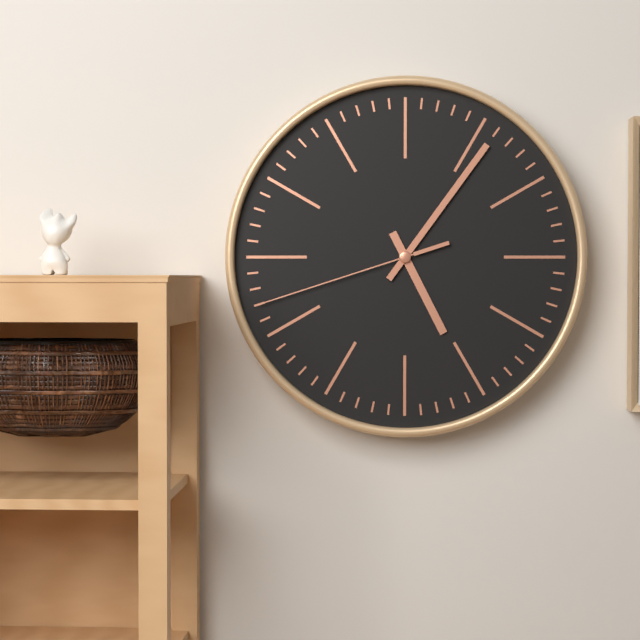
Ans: 5:06:42
